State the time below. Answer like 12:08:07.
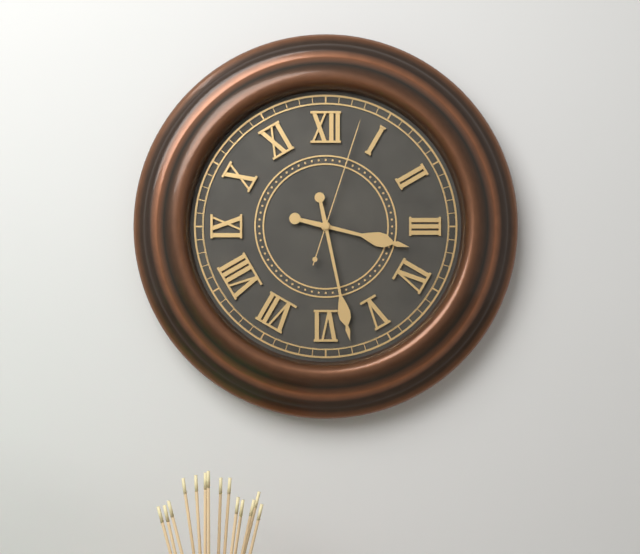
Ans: 3:28:03
